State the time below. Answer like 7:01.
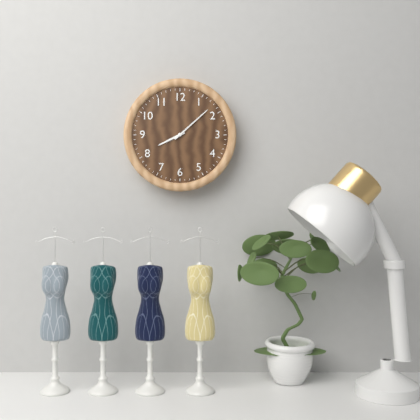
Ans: 8:08
